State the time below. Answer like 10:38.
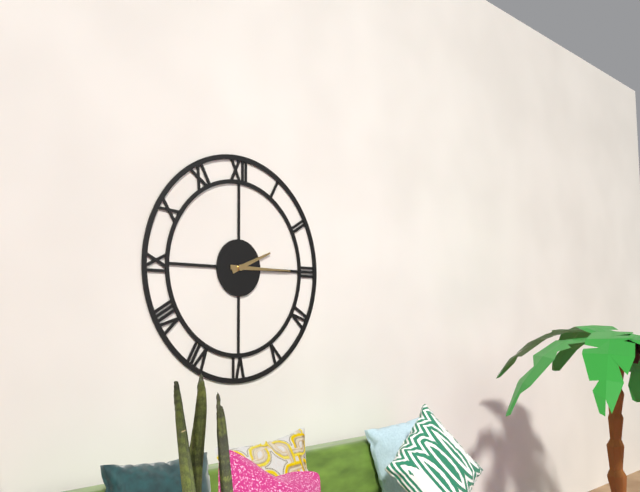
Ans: 2:15
